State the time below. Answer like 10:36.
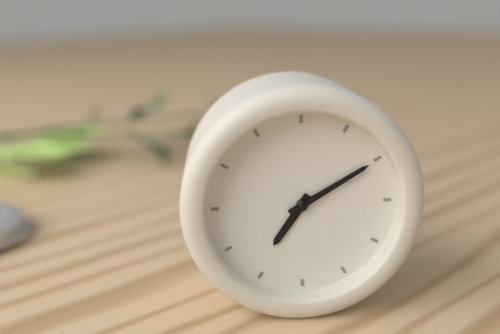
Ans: 7:10
